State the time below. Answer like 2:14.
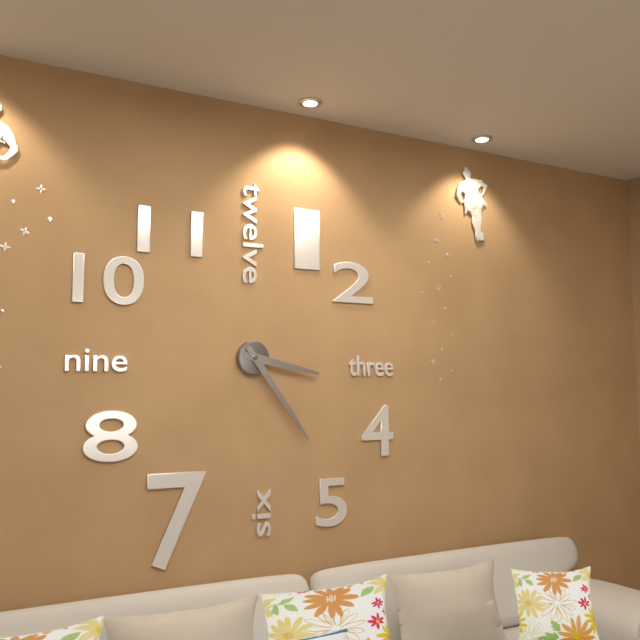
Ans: 3:24
